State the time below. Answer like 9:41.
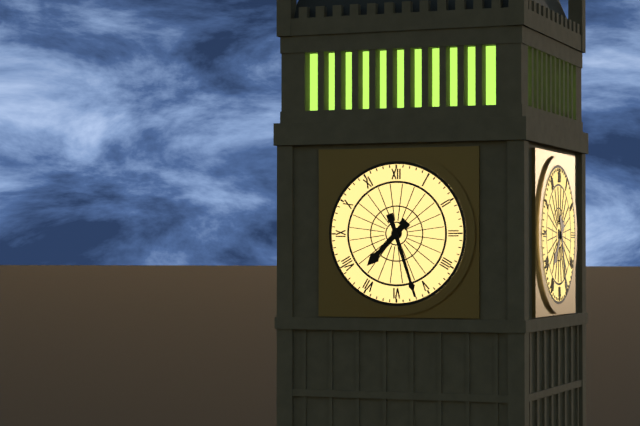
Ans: 7:27
